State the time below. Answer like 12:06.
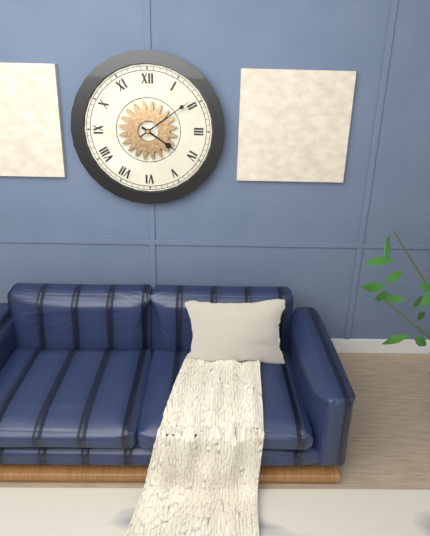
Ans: 4:09
